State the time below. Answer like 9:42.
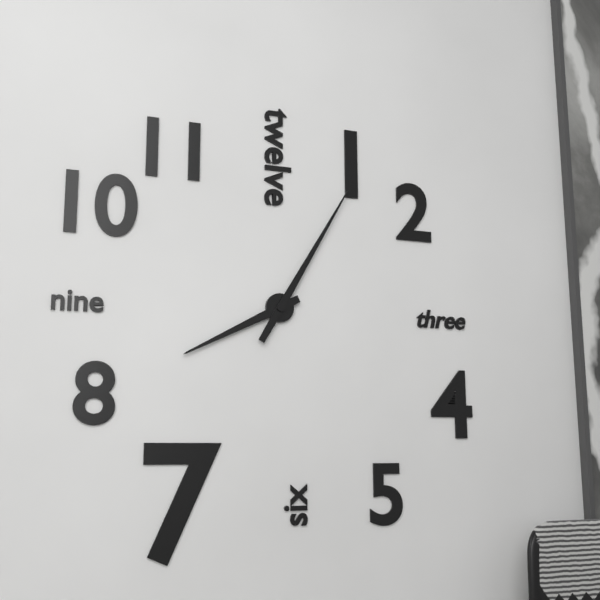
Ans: 8:05
